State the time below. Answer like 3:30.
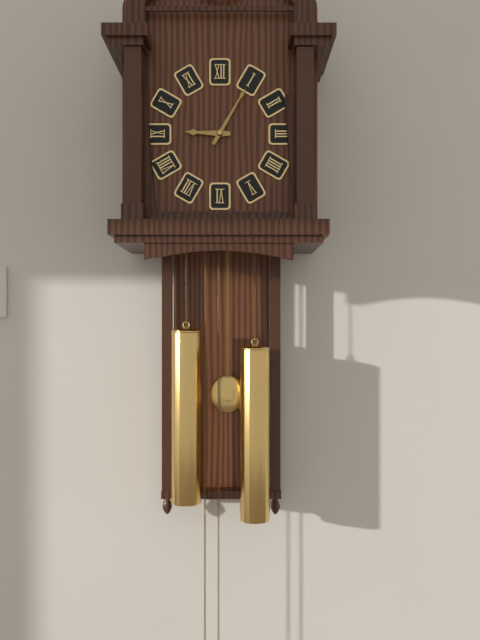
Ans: 9:05
